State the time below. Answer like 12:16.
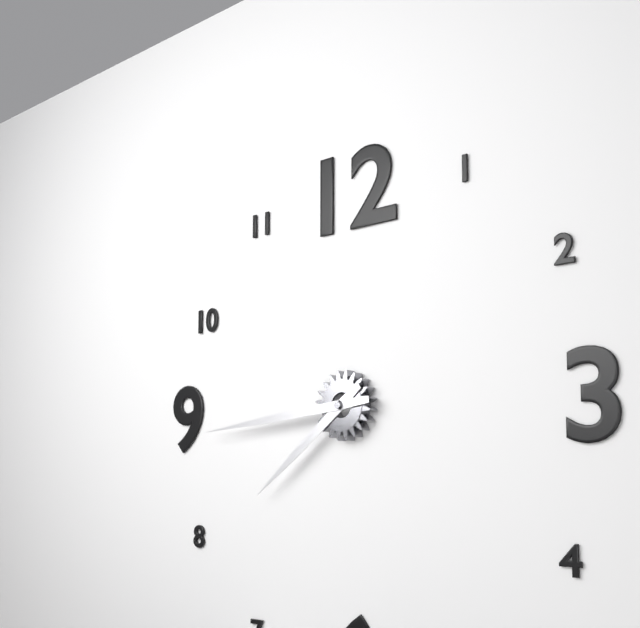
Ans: 7:44
